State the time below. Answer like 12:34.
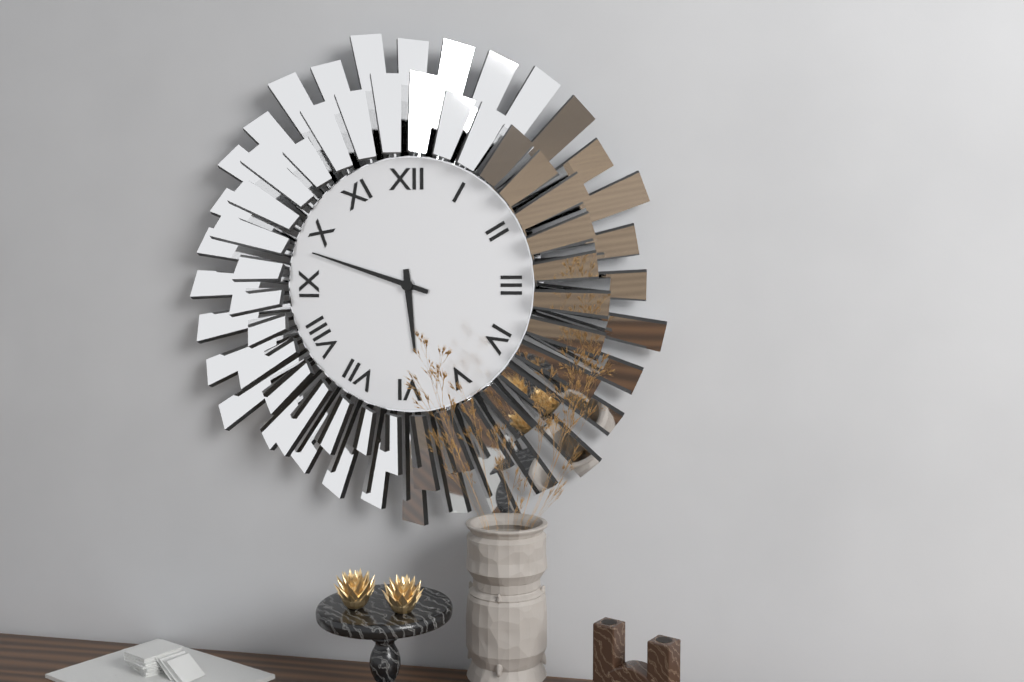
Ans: 5:48
